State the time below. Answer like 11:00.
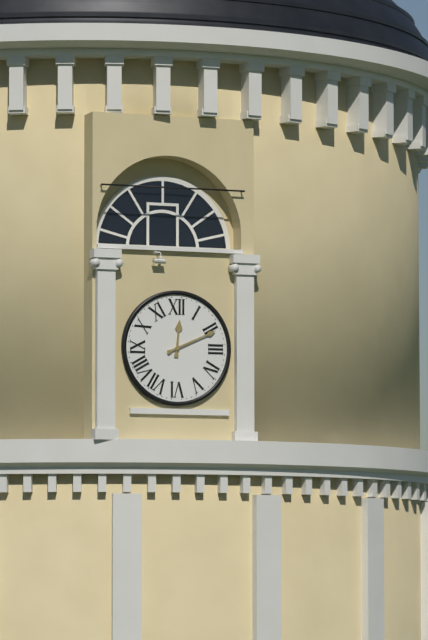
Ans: 12:11
